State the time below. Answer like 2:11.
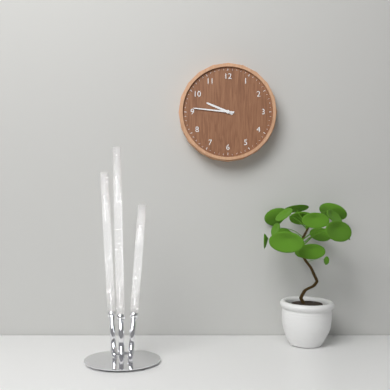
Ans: 9:46
